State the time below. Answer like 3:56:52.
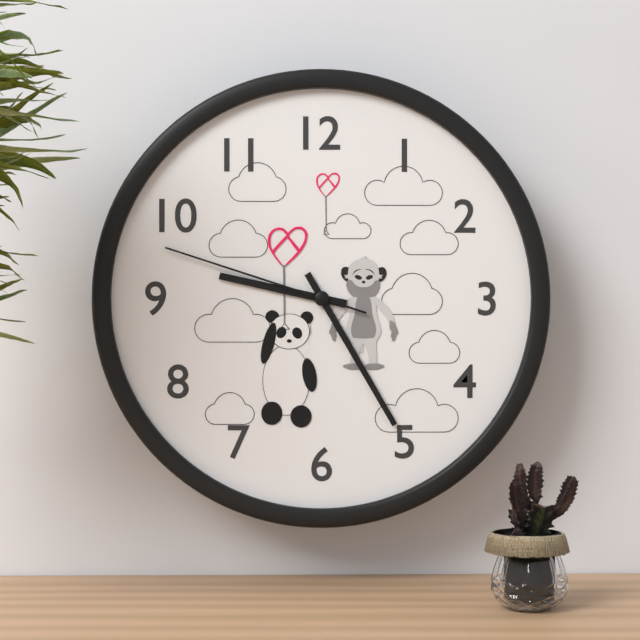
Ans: 9:25:48
